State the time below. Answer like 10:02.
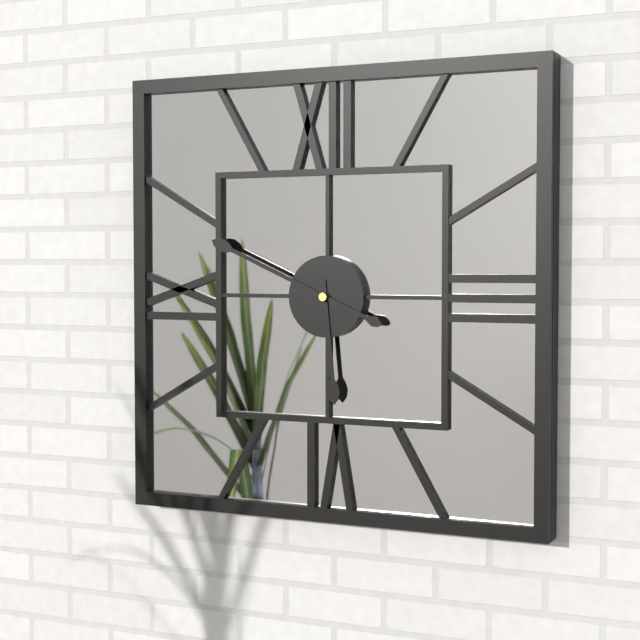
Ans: 5:49
